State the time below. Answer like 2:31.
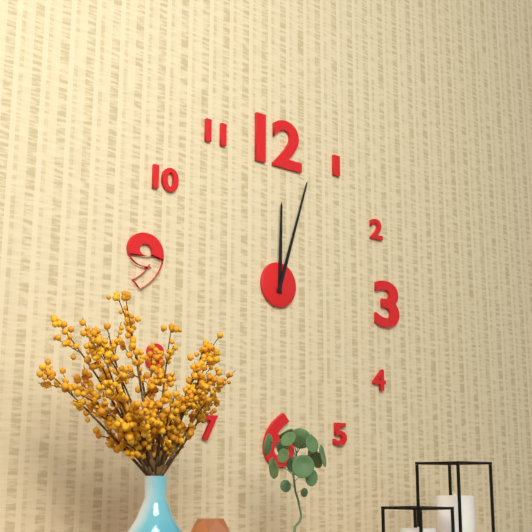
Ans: 12:03
